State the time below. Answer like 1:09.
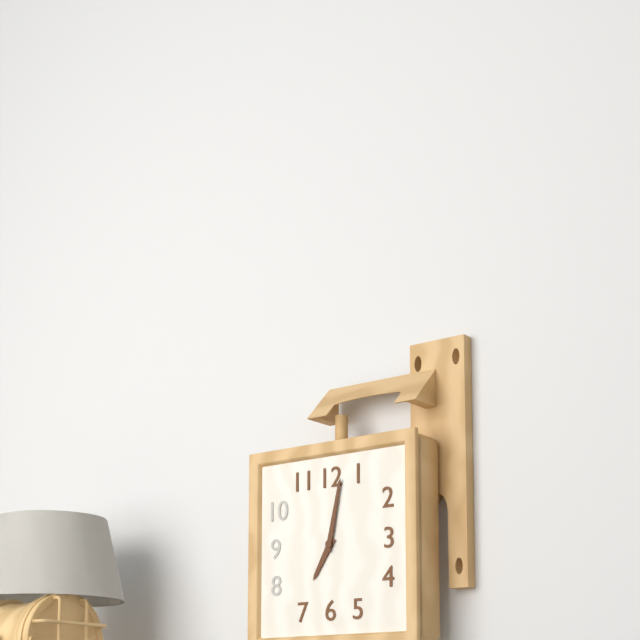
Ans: 7:02
